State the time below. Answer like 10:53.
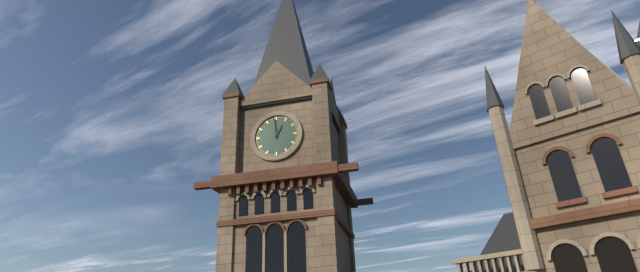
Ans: 12:59
